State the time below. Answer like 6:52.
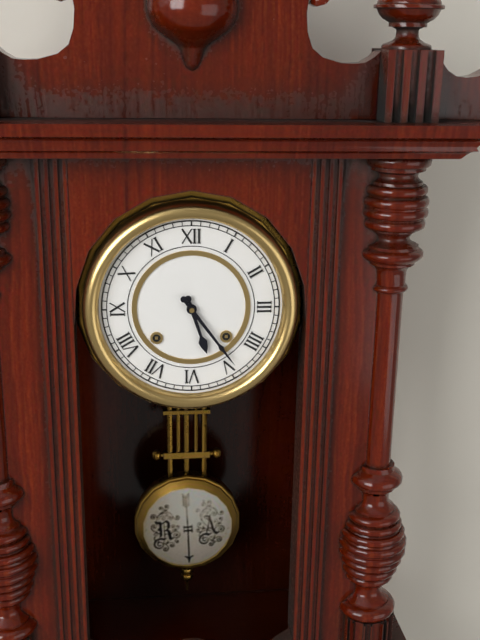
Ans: 5:24
